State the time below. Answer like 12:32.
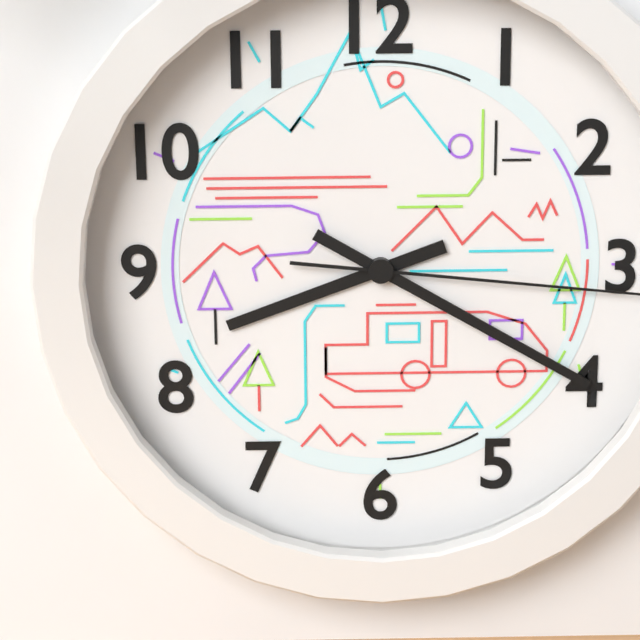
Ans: 8:20
